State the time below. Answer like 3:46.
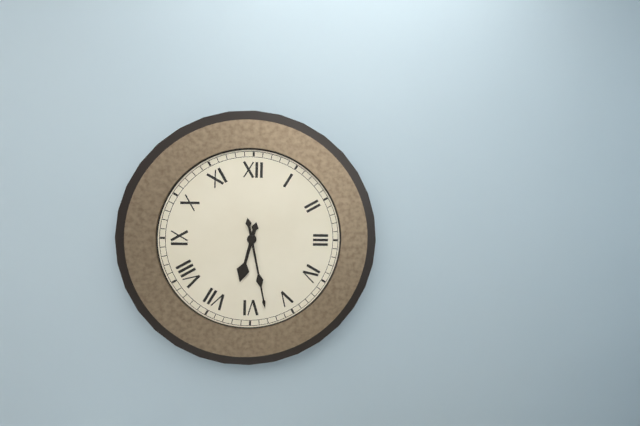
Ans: 6:28
